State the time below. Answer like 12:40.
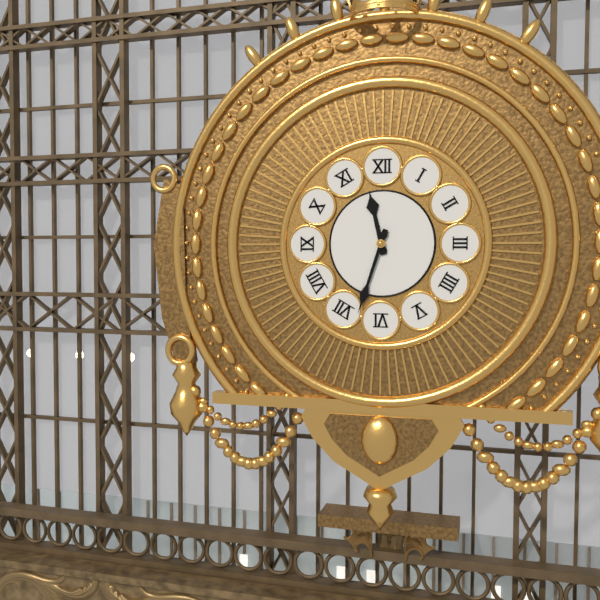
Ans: 11:33
